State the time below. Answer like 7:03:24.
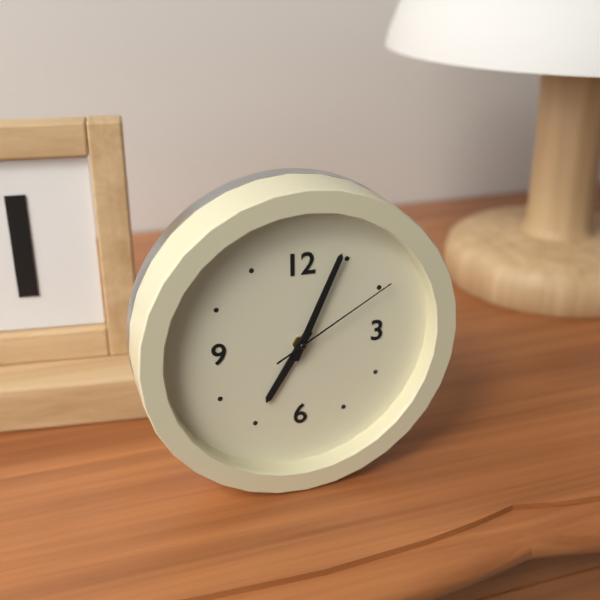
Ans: 7:04:10
